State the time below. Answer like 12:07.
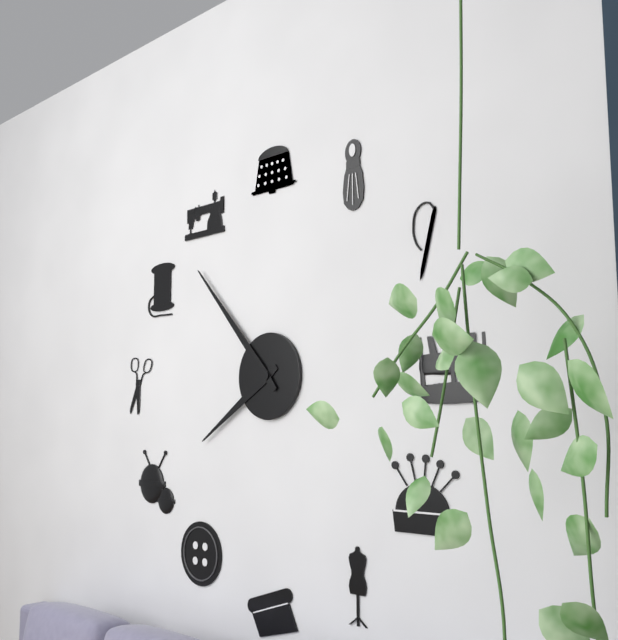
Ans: 7:53
